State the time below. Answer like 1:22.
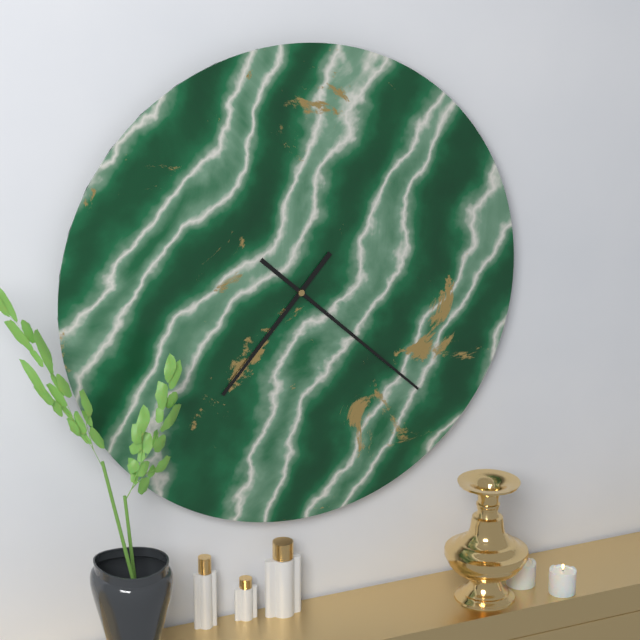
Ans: 7:22
